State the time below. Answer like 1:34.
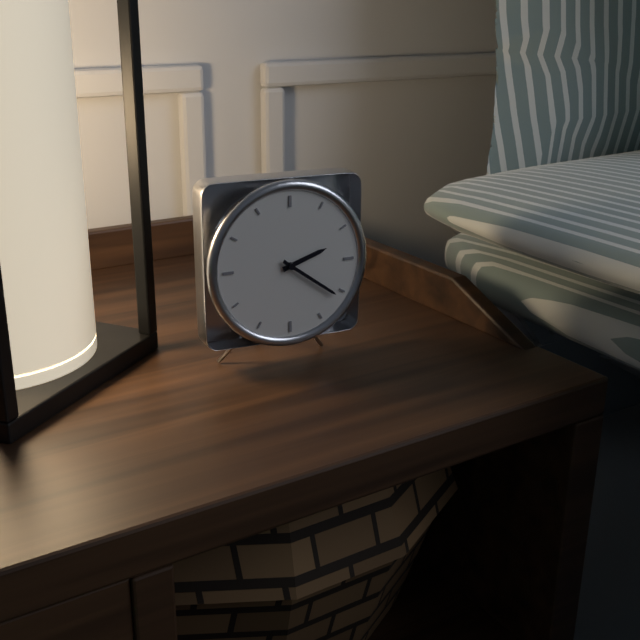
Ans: 2:21
